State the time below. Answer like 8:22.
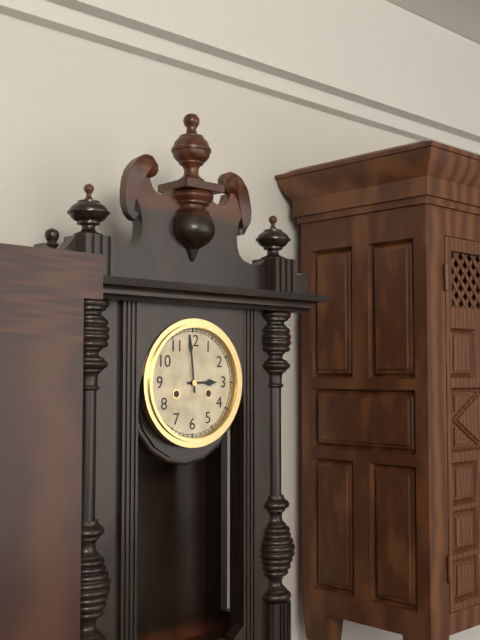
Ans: 2:59
